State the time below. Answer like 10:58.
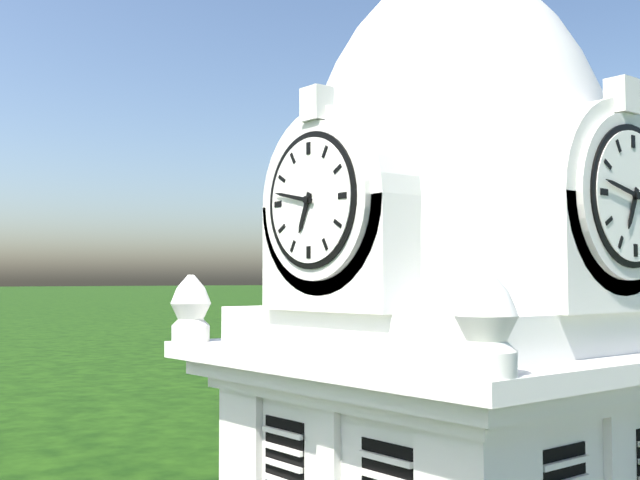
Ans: 6:47
